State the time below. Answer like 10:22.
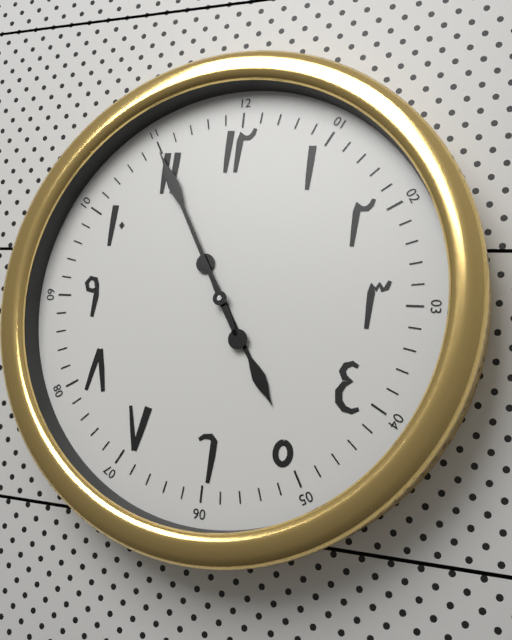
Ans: 4:55
